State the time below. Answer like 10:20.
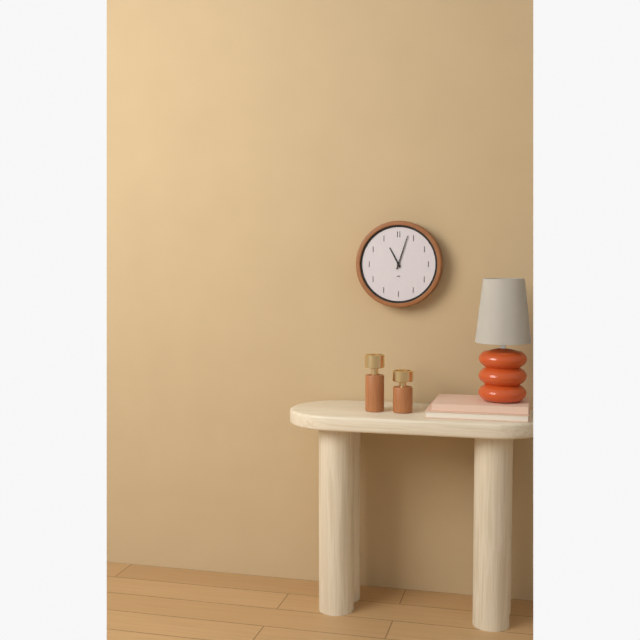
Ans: 11:03
